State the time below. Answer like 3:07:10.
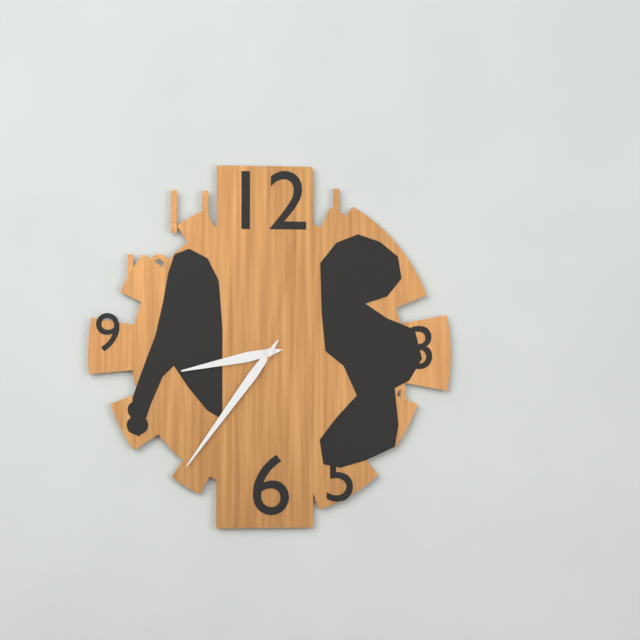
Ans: 8:36:02
